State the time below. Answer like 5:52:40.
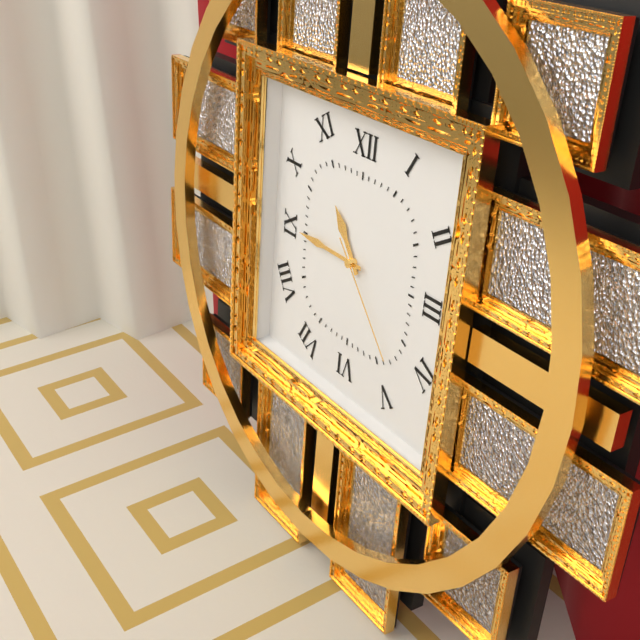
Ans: 10:45:23
